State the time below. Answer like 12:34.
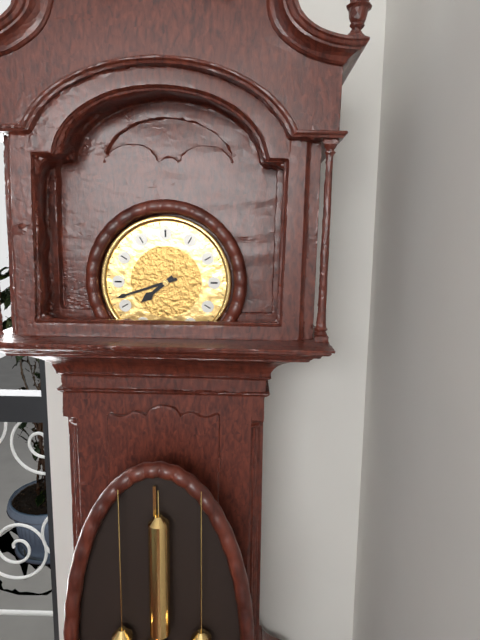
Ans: 7:42
